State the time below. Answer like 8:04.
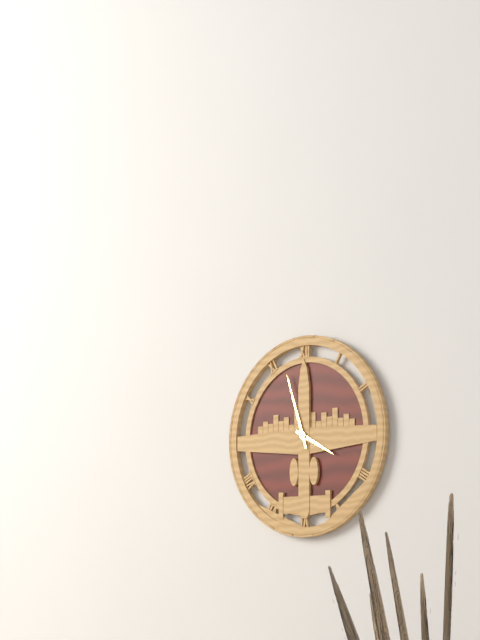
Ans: 3:57
